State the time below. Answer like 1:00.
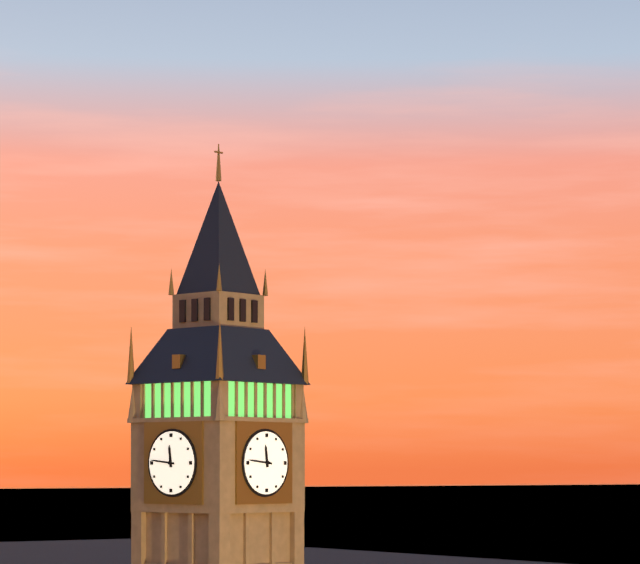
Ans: 11:46
